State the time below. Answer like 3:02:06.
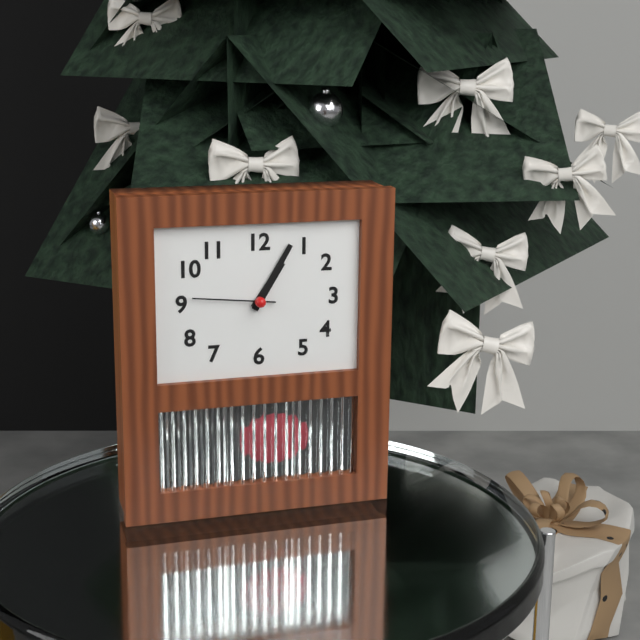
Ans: 1:05:46
